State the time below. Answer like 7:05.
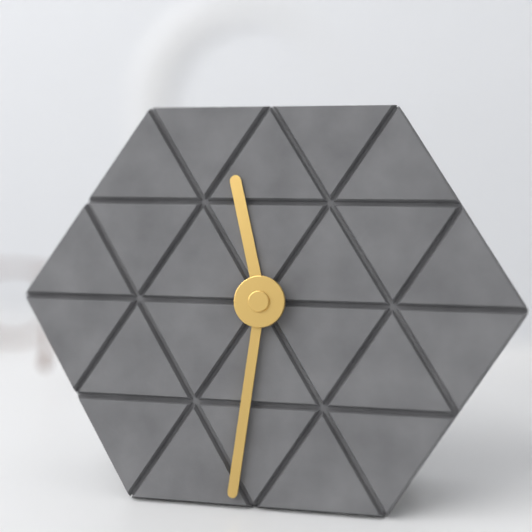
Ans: 11:31
